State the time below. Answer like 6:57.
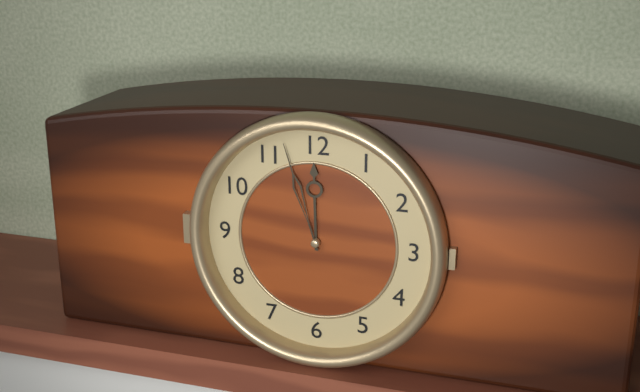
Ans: 11:57
